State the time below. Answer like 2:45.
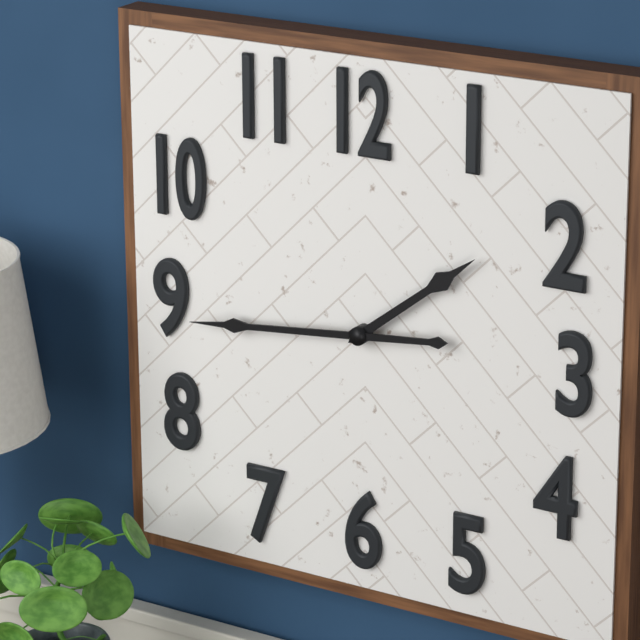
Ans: 1:44
